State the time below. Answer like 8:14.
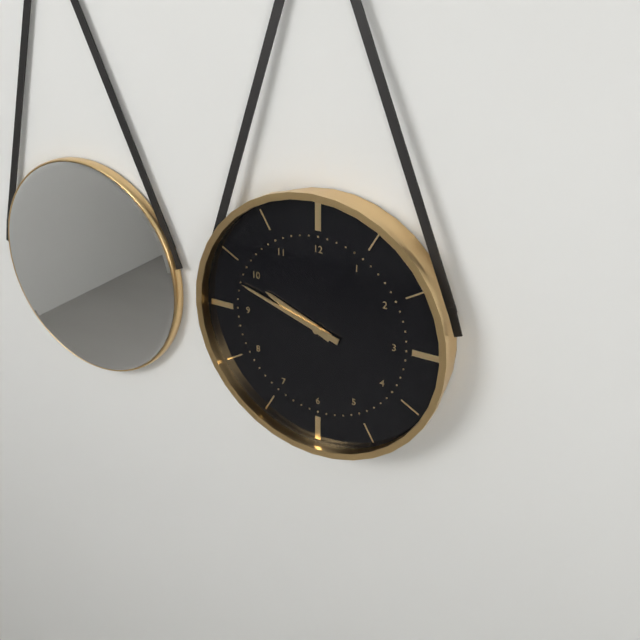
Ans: 9:48
